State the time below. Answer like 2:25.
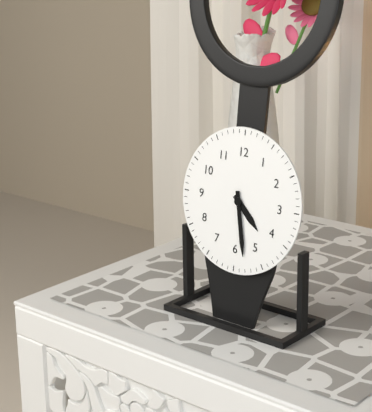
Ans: 4:28
